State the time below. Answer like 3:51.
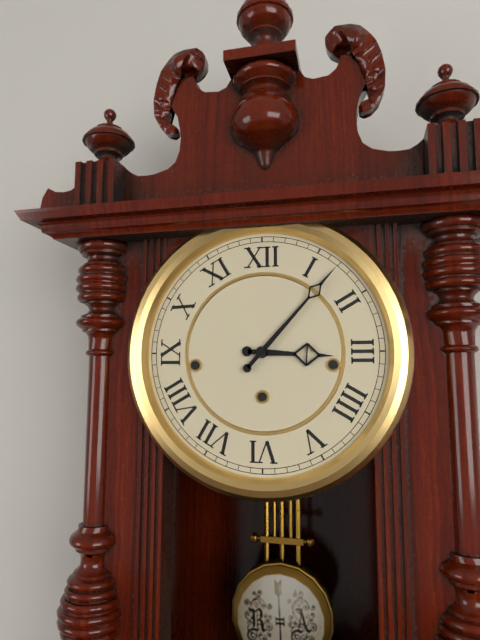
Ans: 3:07
